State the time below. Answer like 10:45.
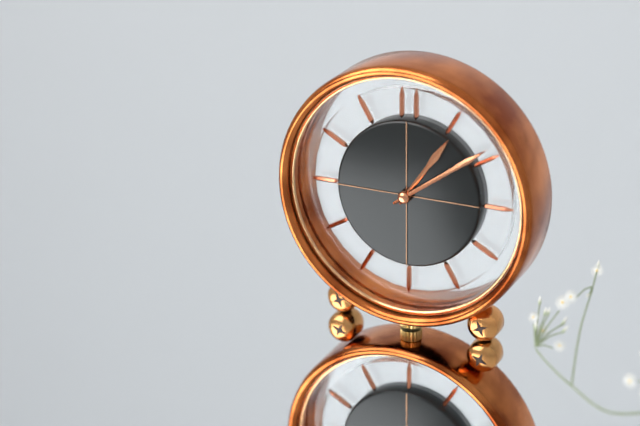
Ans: 1:09
